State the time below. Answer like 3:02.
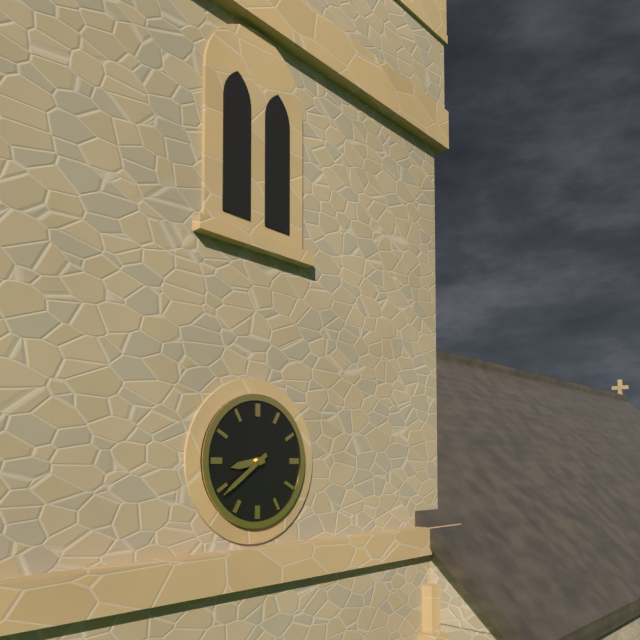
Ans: 8:39
